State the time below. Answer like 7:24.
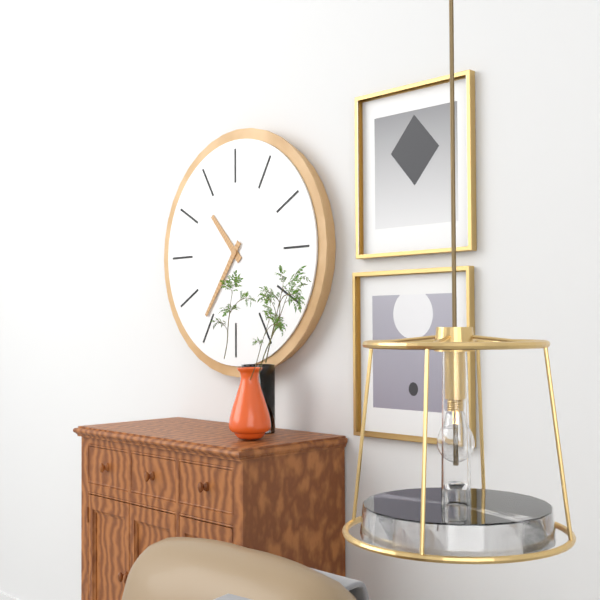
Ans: 10:36
